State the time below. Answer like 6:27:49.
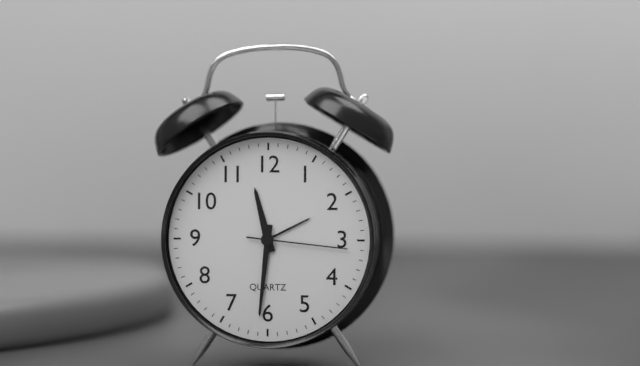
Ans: 11:31:16
